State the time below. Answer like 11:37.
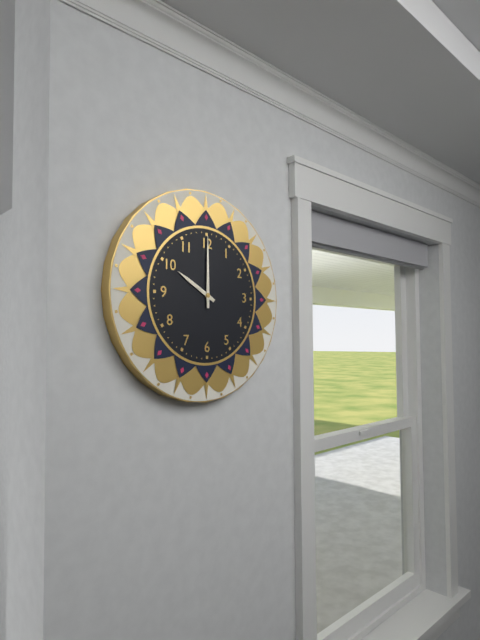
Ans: 10:00
